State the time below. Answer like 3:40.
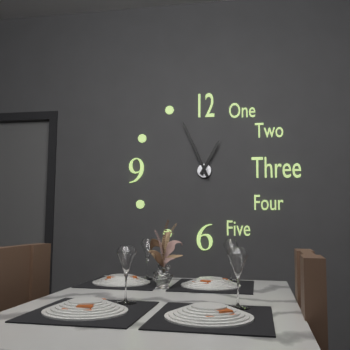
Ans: 12:56
